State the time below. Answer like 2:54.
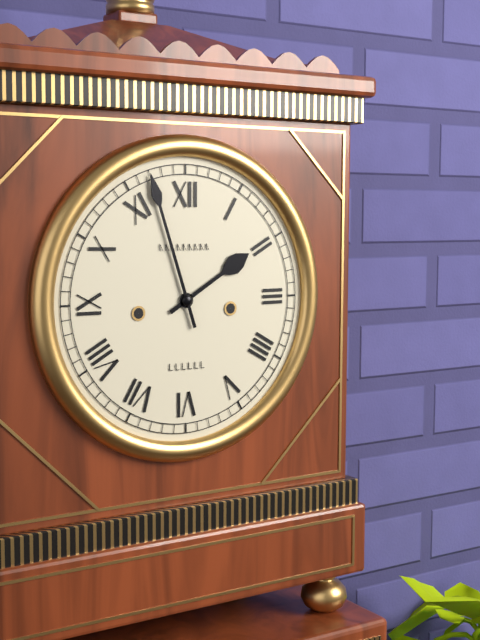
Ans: 1:57
